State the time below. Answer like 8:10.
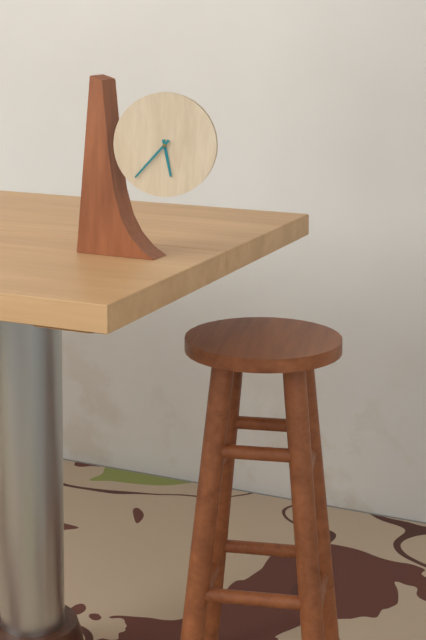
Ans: 5:37
